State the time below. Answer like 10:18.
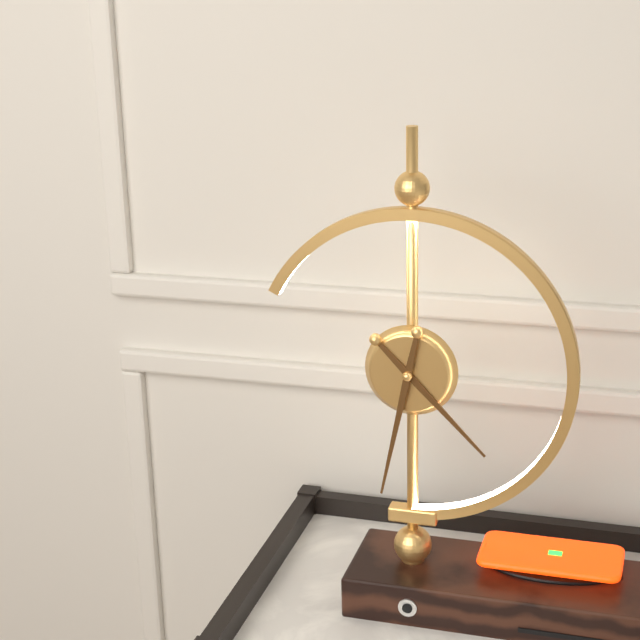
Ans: 4:32
